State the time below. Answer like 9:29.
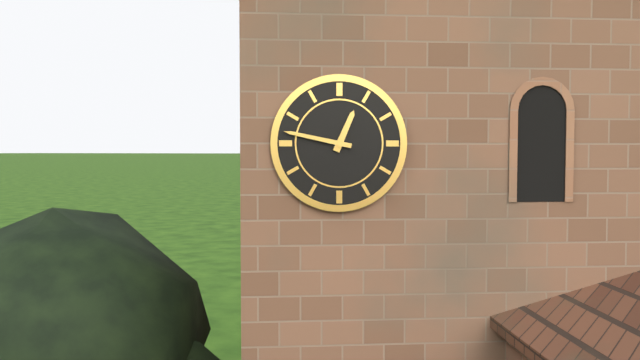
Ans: 12:47
